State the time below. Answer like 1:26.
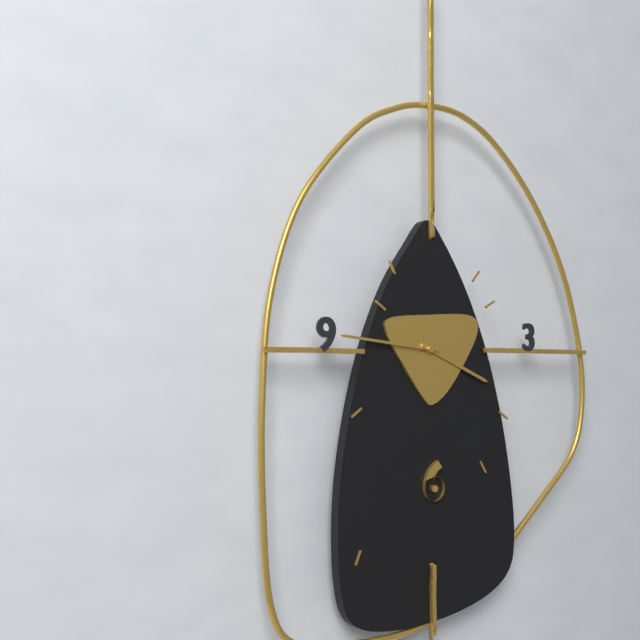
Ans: 3:46
